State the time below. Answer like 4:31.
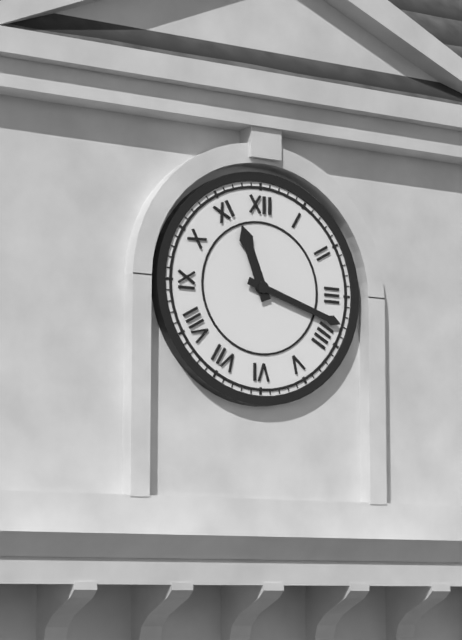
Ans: 11:18
